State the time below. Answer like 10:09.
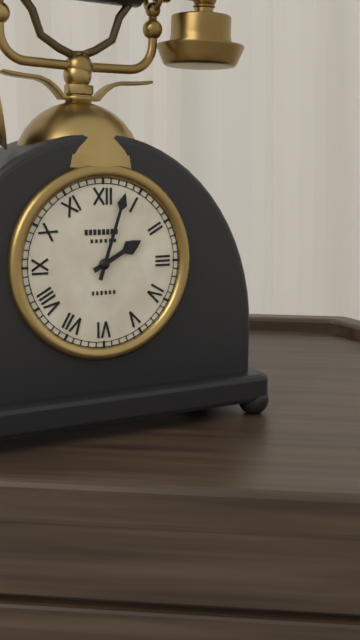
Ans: 2:03
